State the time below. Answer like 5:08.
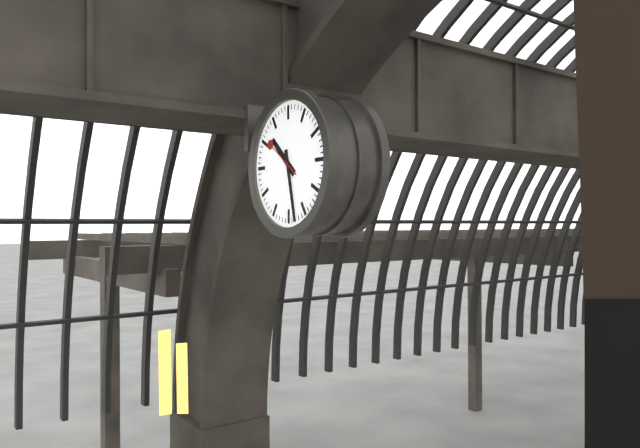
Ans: 10:28
